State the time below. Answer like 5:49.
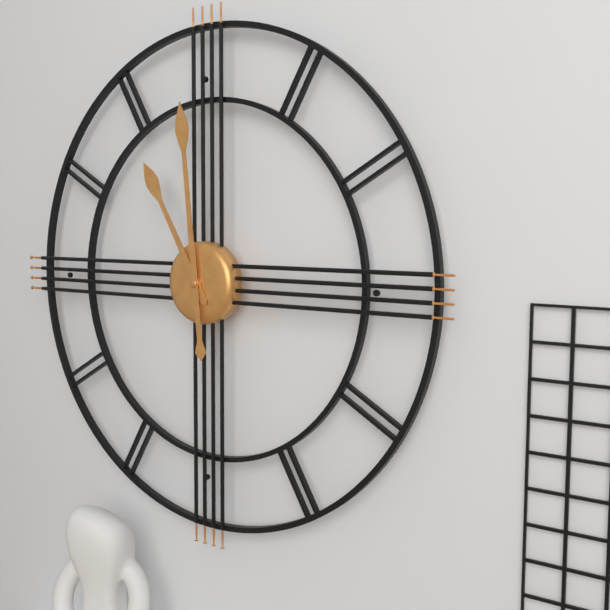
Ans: 10:59
